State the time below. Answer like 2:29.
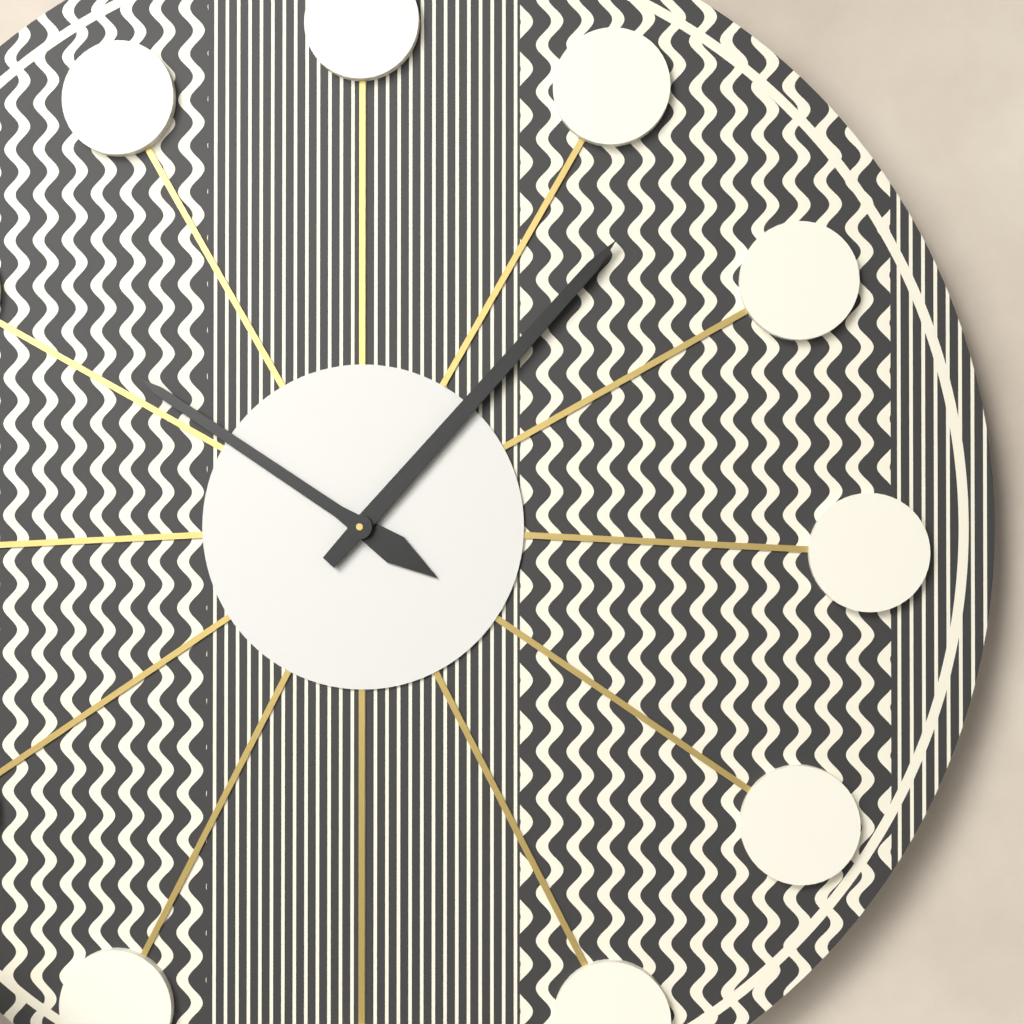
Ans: 10:07
